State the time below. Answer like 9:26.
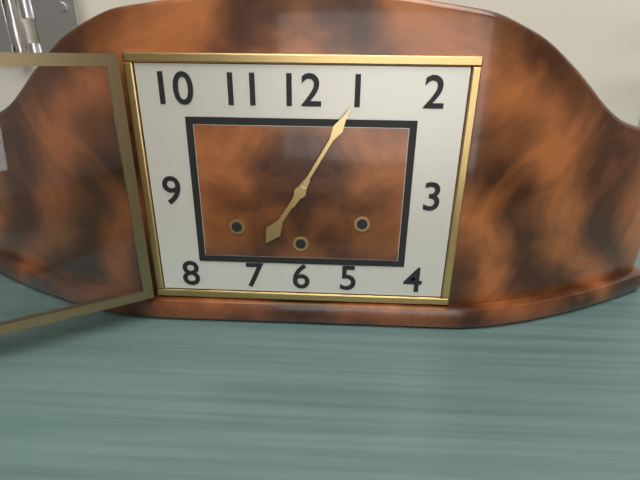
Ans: 7:05
